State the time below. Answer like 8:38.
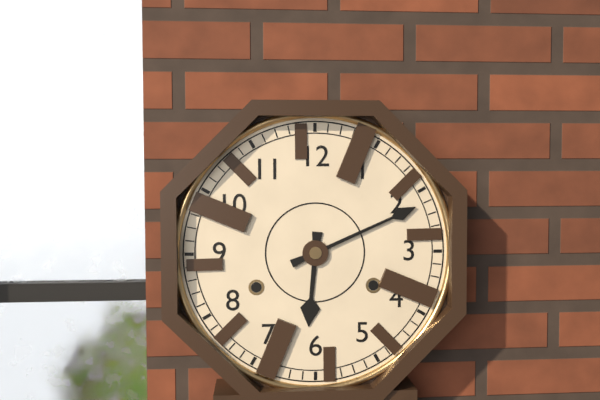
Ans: 6:11
